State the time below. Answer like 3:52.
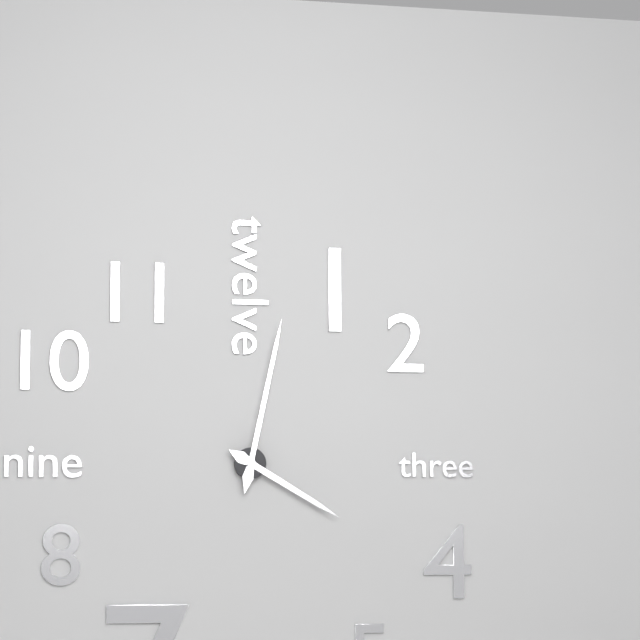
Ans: 4:02
